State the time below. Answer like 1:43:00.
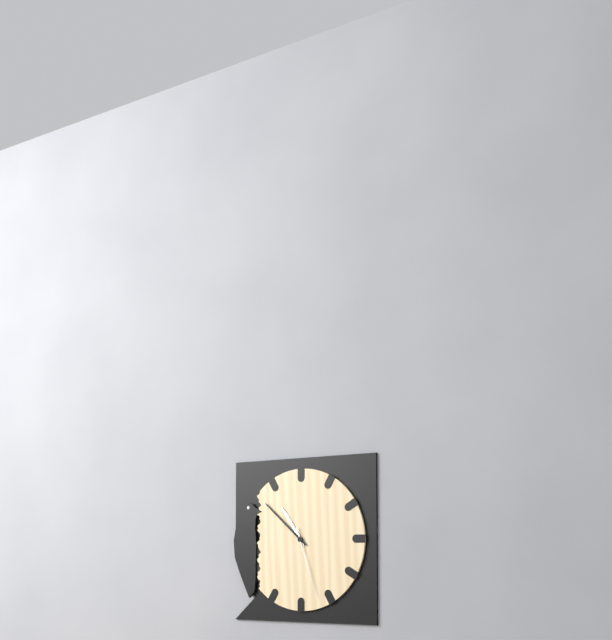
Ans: 10:52:27
